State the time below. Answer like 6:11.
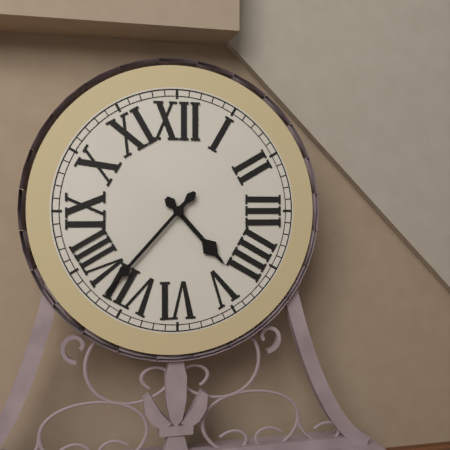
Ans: 4:37
